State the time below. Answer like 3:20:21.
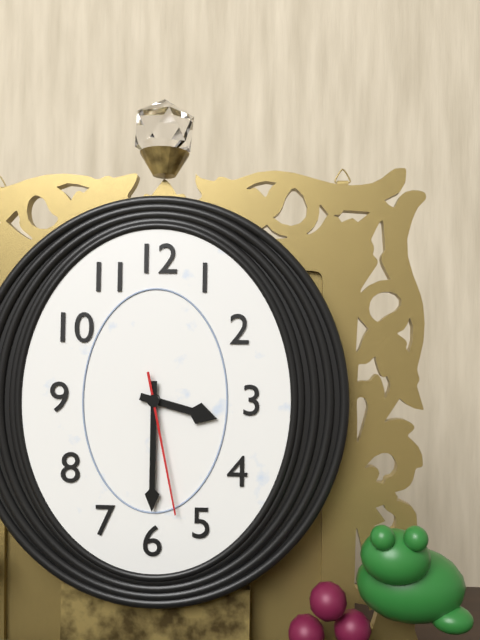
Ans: 3:30:28
